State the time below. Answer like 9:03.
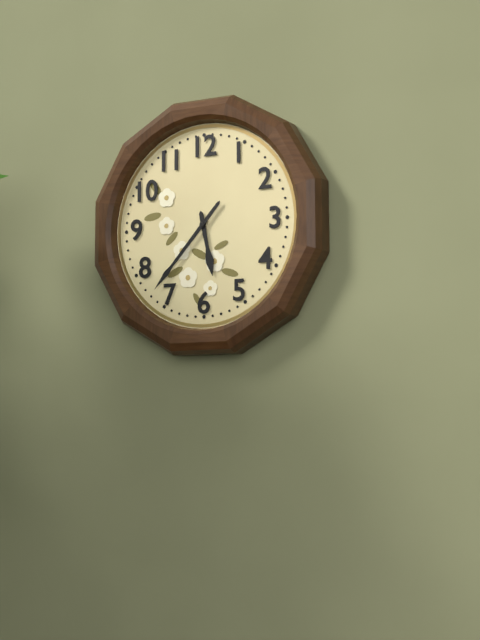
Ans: 5:37
